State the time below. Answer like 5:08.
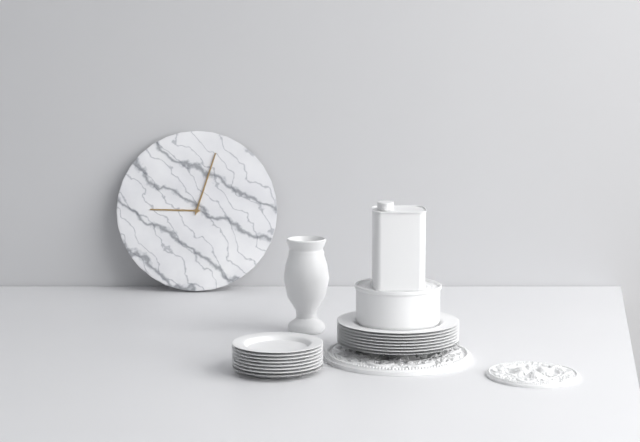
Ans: 9:03
